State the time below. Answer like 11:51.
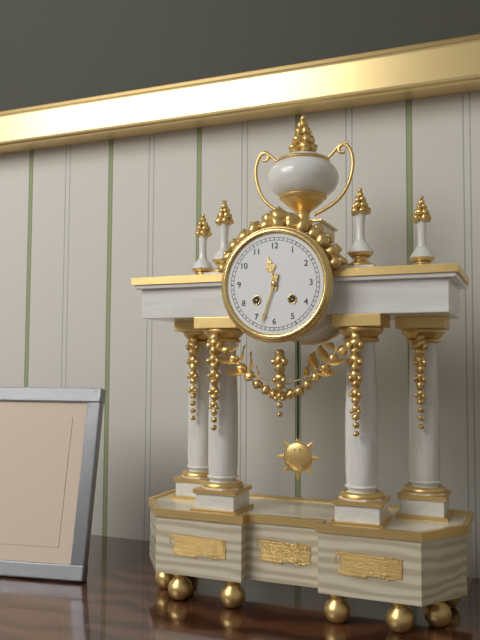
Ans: 11:33
